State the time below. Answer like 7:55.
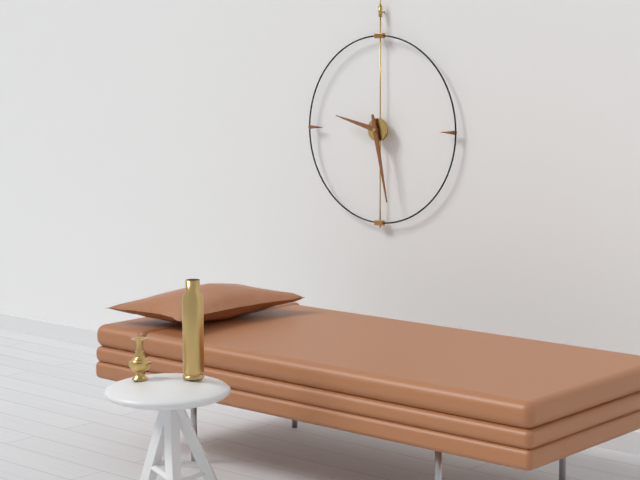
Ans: 9:28
